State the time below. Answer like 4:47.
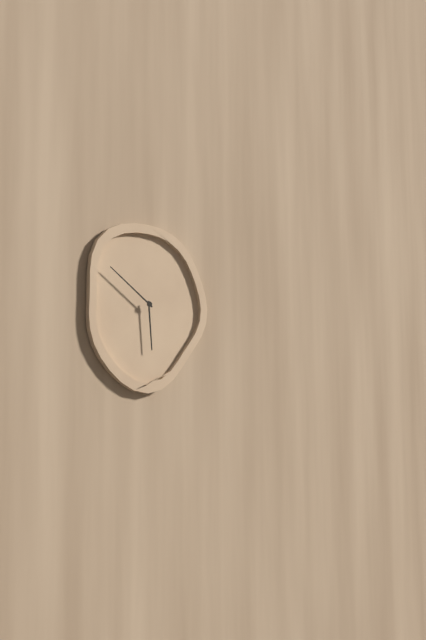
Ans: 5:51
